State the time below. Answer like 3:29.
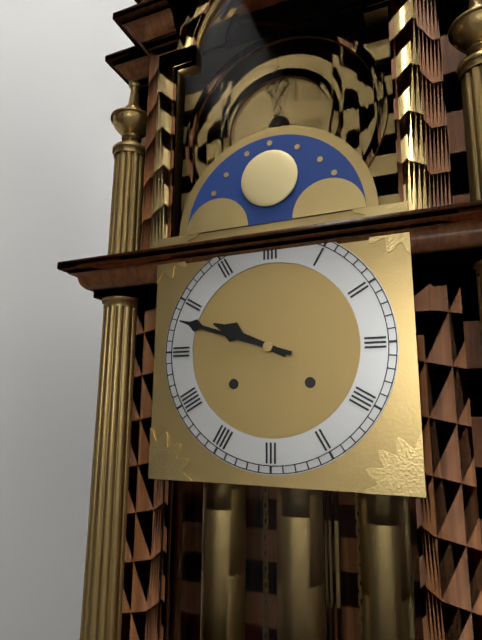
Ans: 9:48
